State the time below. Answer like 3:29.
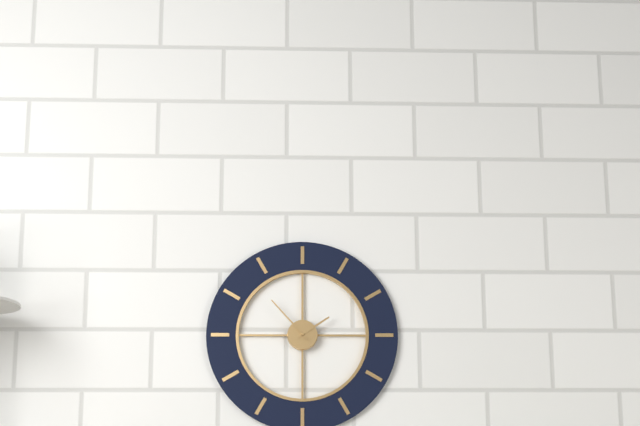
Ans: 1:53
